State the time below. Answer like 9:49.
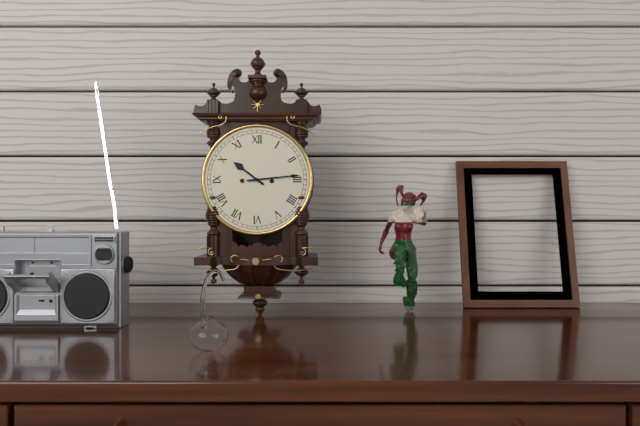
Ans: 10:14
